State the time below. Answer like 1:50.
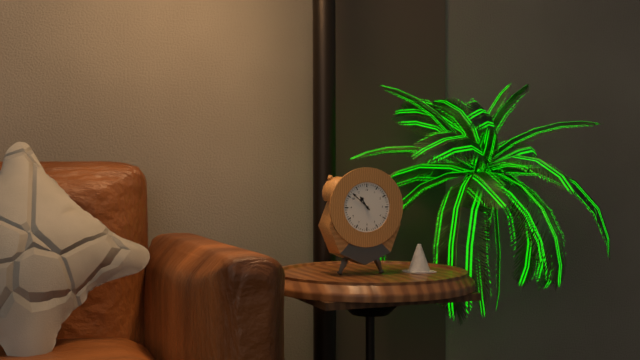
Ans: 10:52
